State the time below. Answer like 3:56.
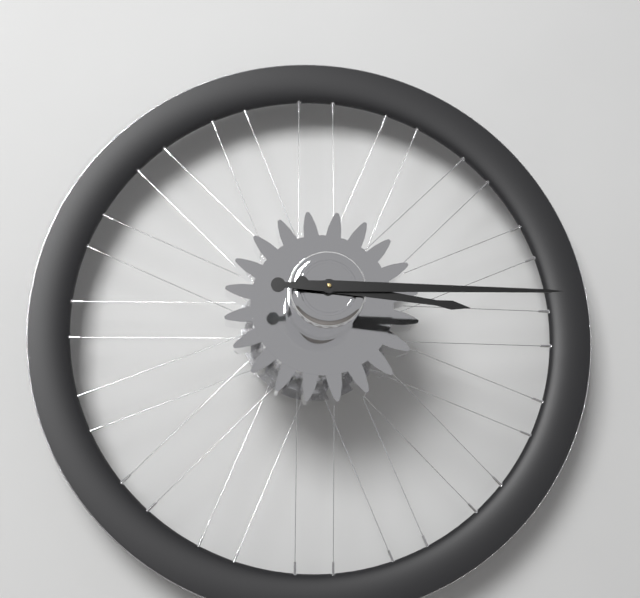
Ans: 3:15
